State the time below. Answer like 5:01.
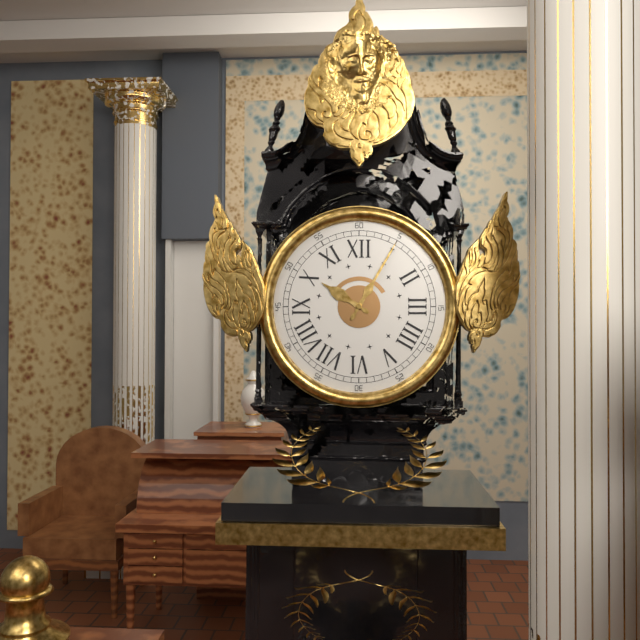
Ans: 10:05
